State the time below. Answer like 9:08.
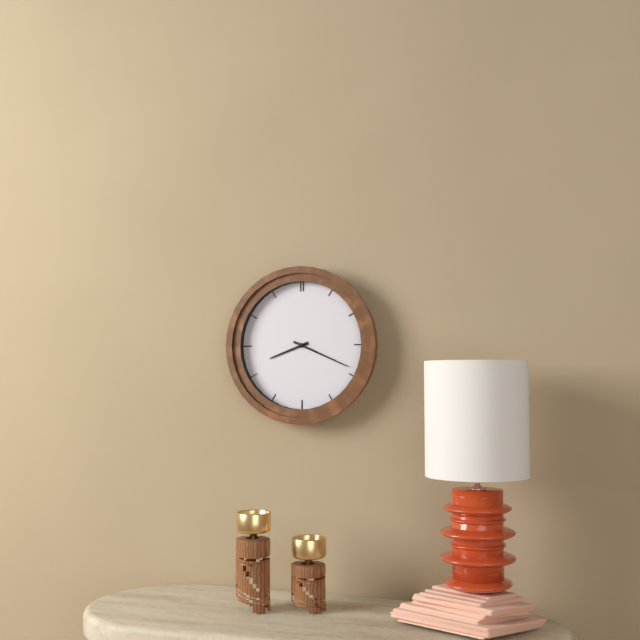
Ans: 8:19
